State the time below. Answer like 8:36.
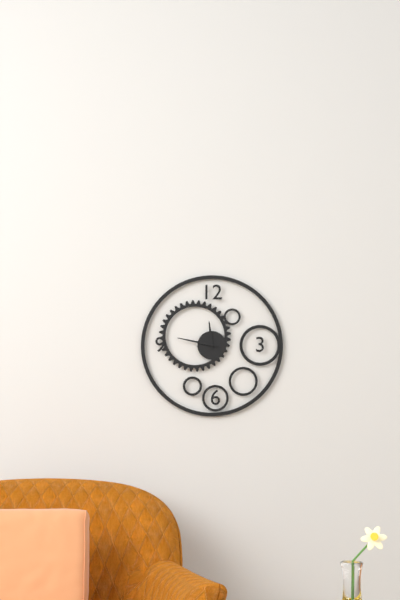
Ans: 11:47
